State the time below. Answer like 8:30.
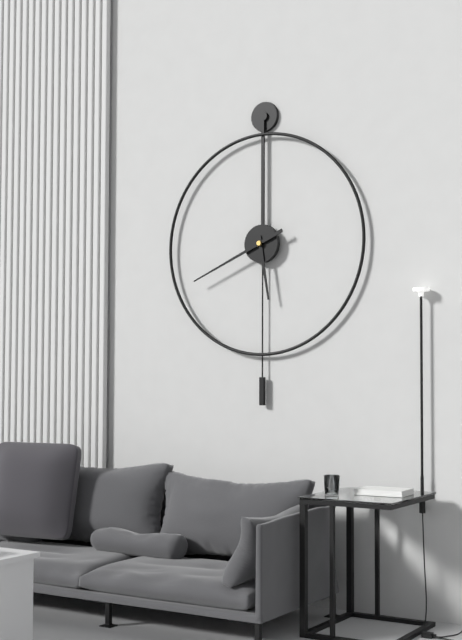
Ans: 5:41
